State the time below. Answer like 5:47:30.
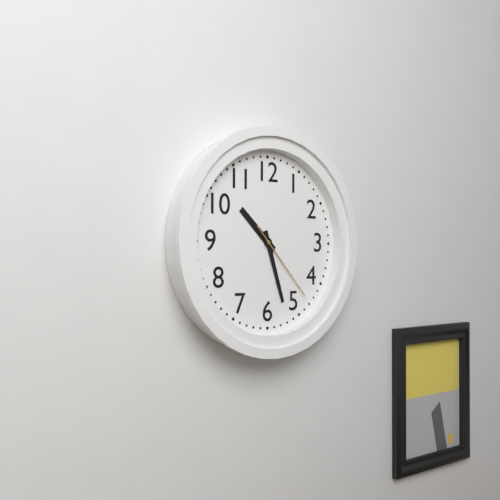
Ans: 10:27:23
